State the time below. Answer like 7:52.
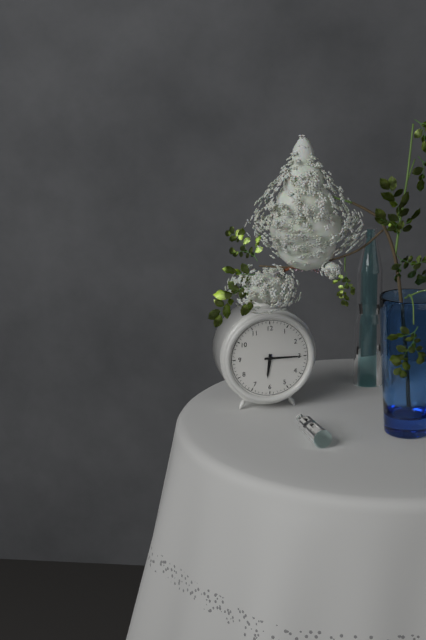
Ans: 6:15
